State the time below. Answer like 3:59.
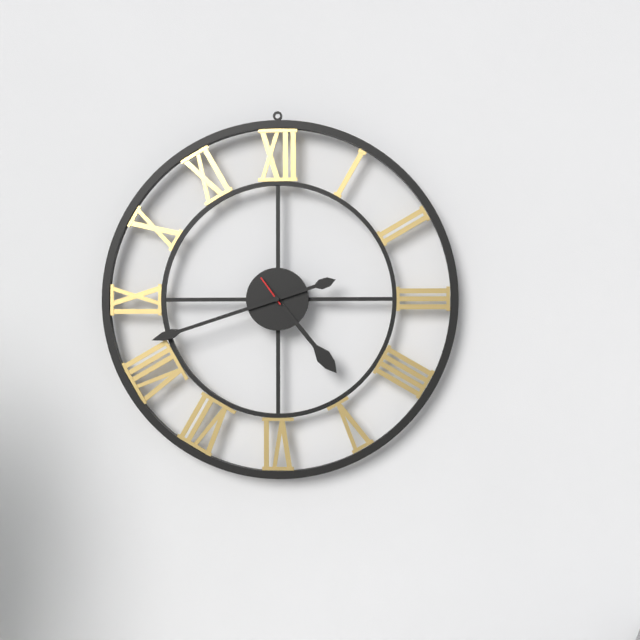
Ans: 4:42
